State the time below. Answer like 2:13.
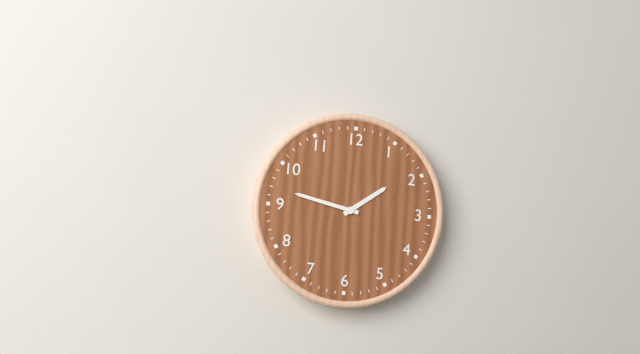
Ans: 1:47
